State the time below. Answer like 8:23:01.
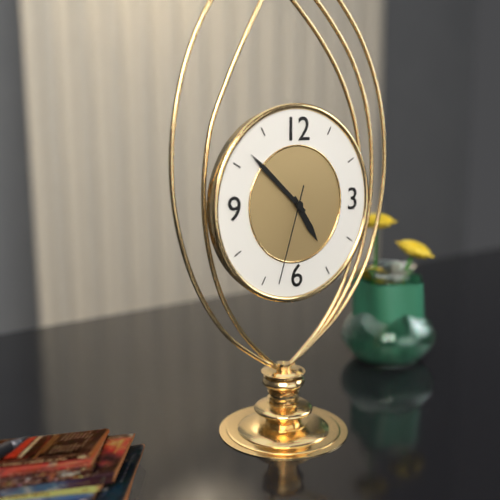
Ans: 4:52:33
